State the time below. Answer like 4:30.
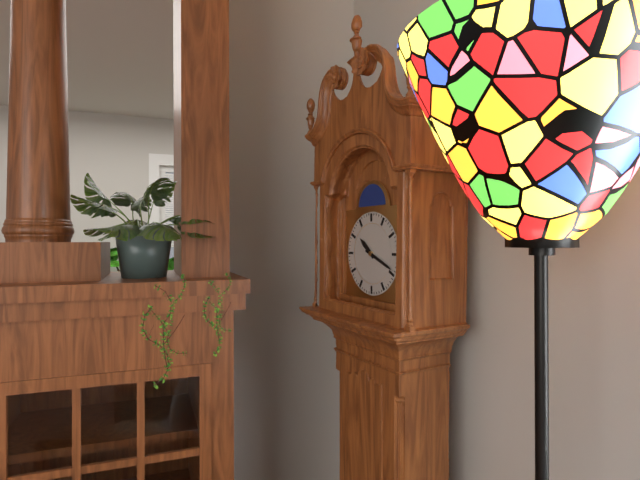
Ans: 10:19
